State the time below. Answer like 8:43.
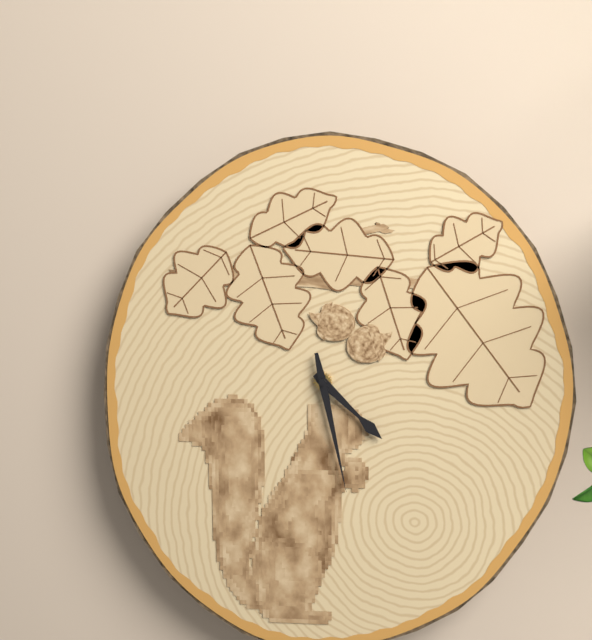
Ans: 4:28
